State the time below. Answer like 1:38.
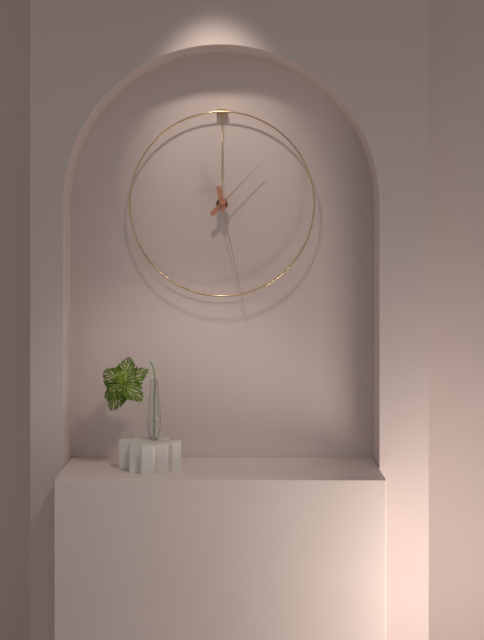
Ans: 1:28
